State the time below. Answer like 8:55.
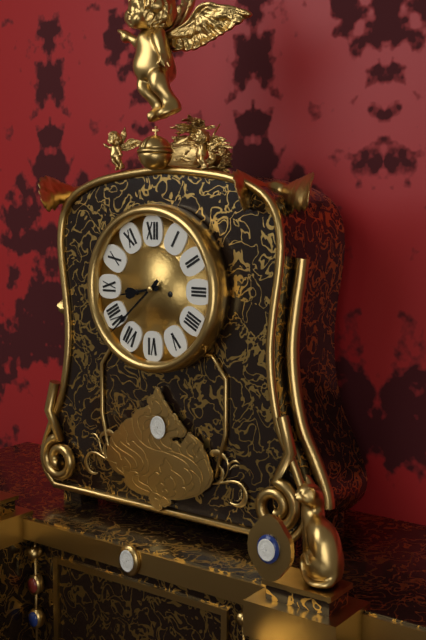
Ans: 8:38
